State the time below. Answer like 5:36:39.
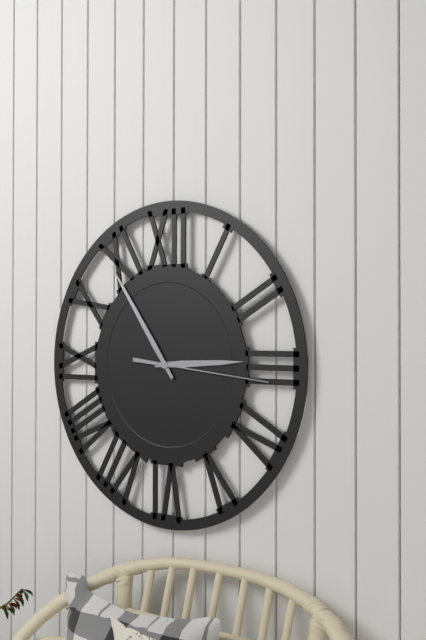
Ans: 2:54:16
